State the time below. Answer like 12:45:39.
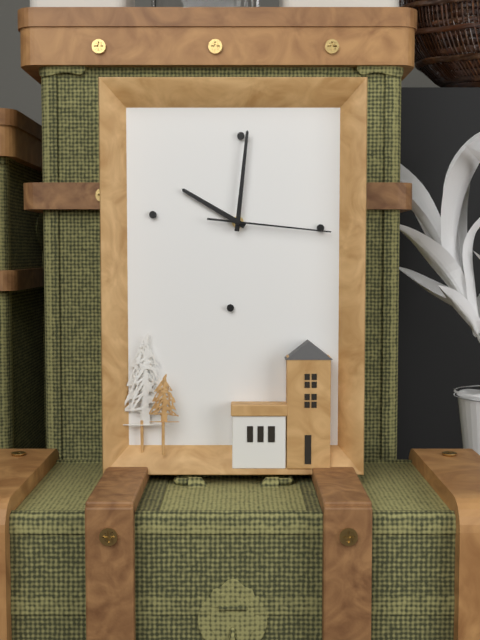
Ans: 10:01:16
